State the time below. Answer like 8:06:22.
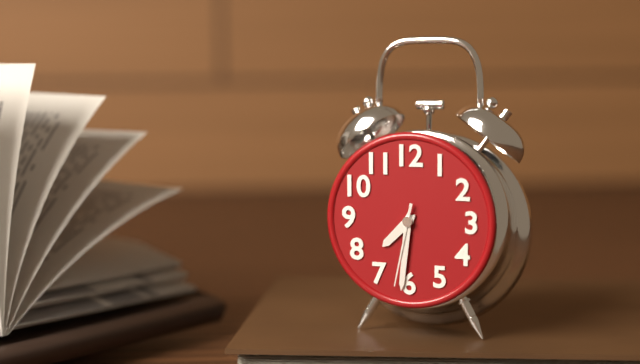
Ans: 7:31:32
